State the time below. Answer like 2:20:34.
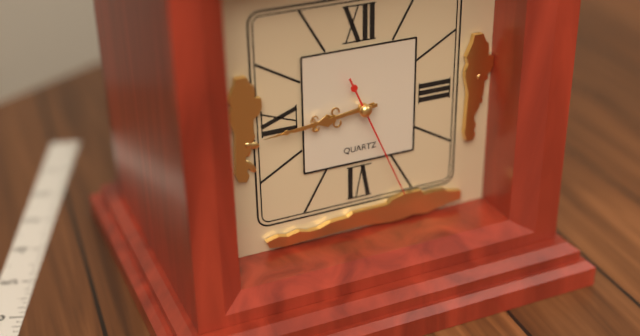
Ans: 8:44:26
